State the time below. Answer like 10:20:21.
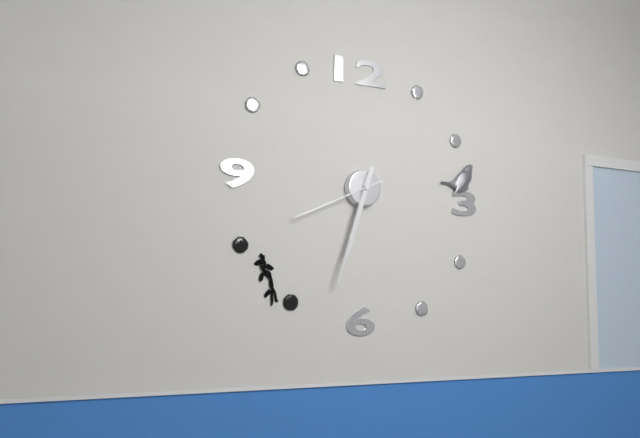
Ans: 6:33:41
